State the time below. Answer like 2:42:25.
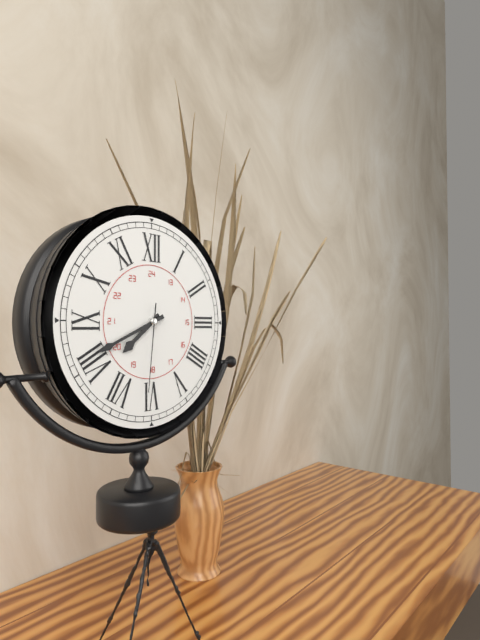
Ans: 7:41:31
